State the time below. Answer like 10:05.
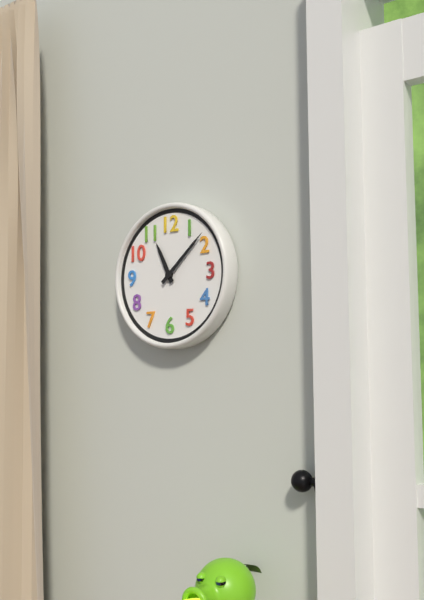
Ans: 11:08
